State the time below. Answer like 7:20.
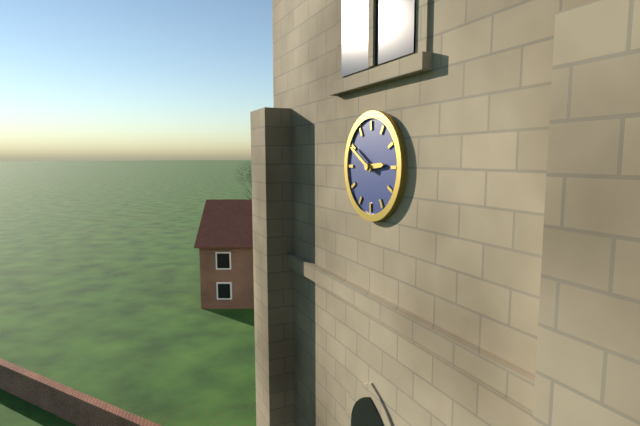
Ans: 2:50
